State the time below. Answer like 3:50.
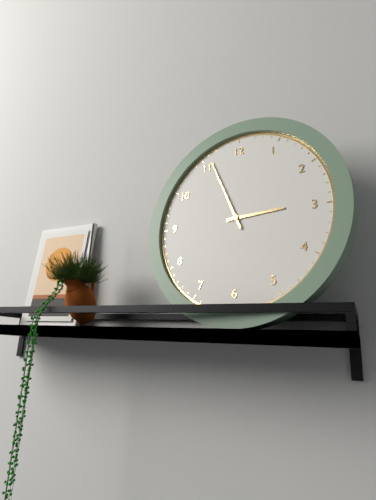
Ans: 2:56
